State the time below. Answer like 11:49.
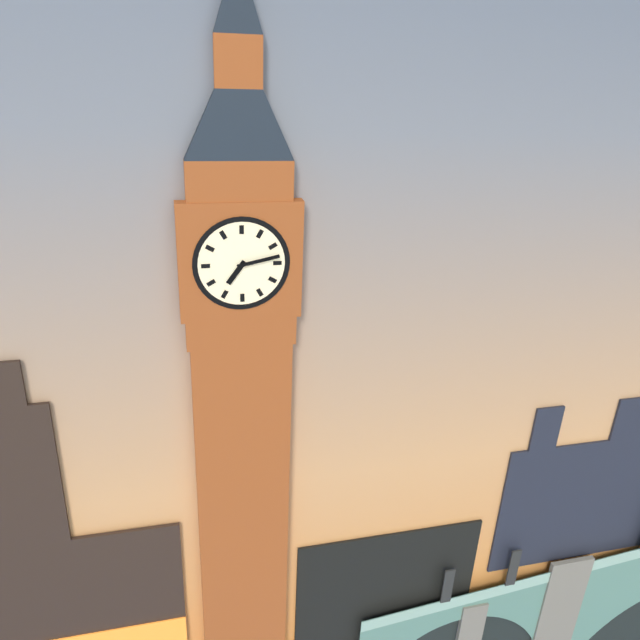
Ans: 7:13
